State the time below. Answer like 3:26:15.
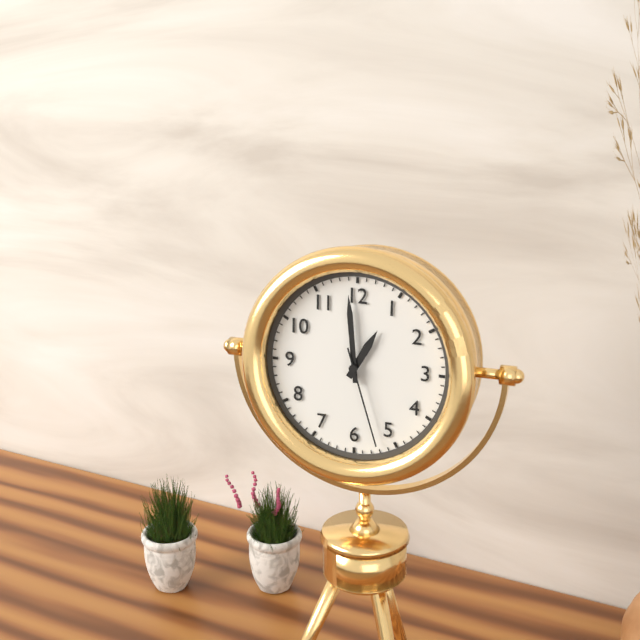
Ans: 12:59:27
